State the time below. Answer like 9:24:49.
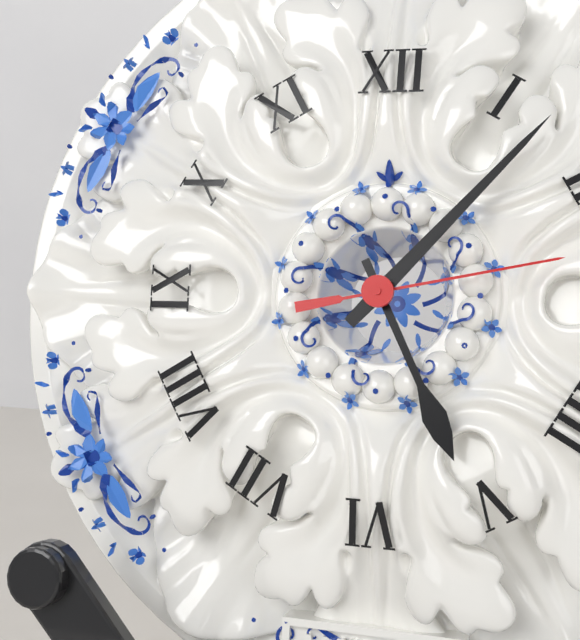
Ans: 5:07:13
